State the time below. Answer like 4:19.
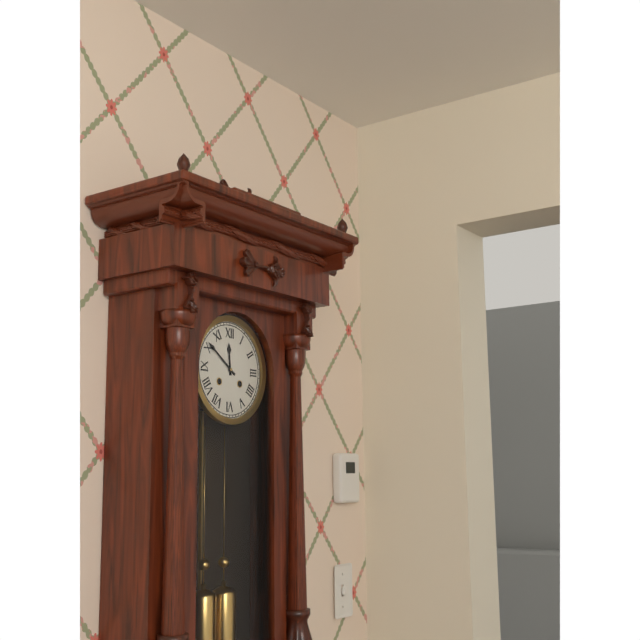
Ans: 11:51
